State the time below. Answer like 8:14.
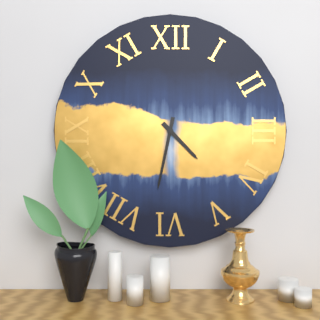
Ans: 4:32
